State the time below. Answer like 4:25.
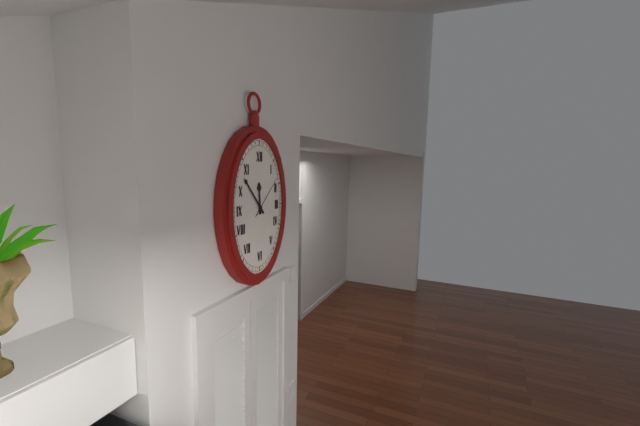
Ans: 11:53
